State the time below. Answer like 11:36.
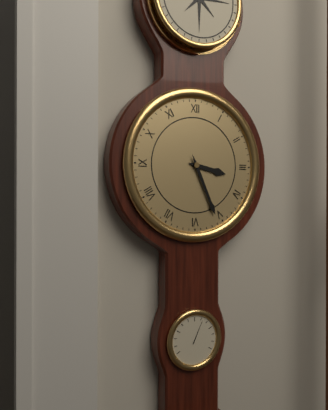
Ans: 3:26
